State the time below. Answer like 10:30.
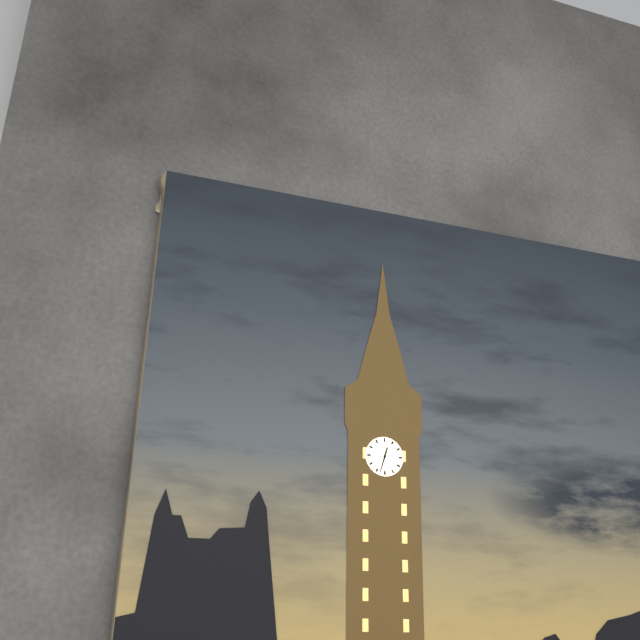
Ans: 12:33
